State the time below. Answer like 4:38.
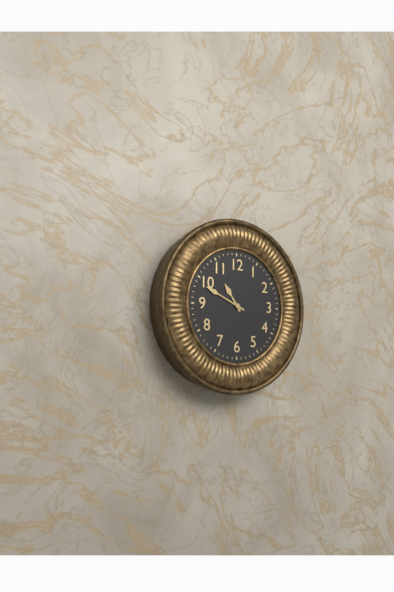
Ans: 10:49
